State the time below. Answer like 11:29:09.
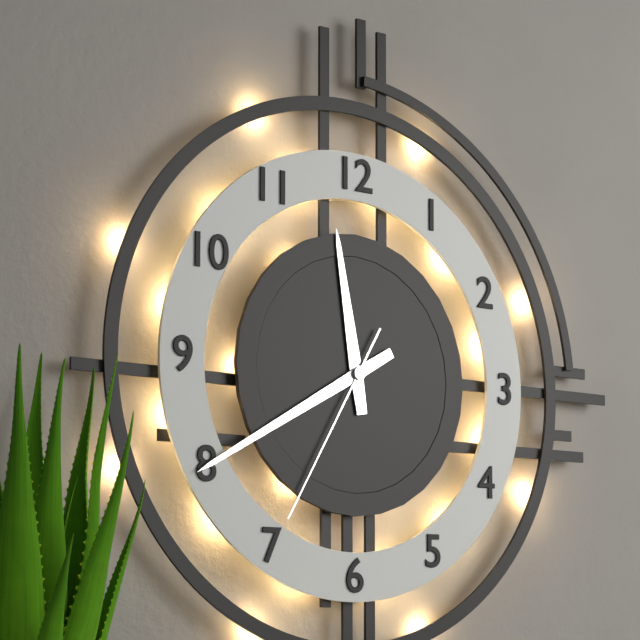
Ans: 11:40:35
